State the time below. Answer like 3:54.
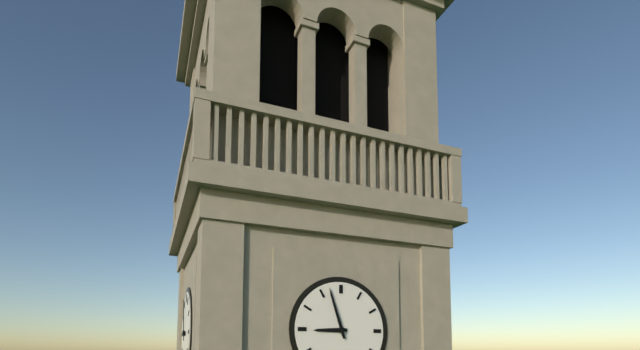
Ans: 8:57
